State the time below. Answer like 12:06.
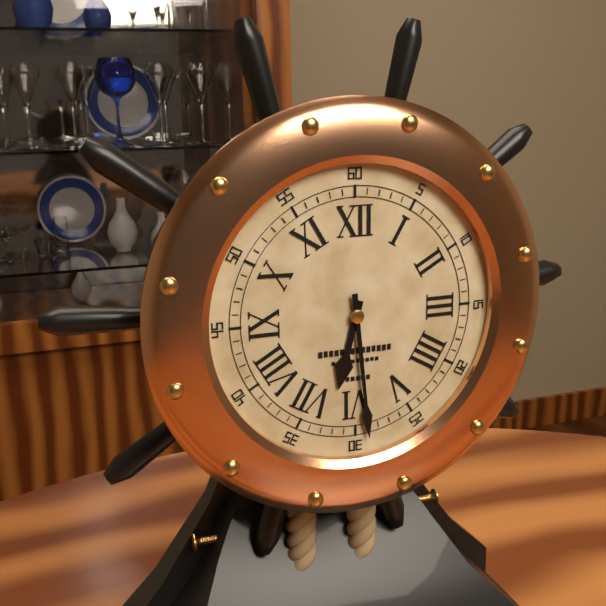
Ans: 6:29
